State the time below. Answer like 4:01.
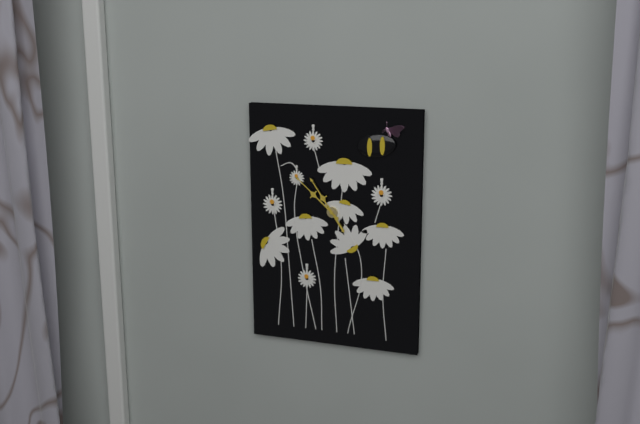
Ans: 10:52
